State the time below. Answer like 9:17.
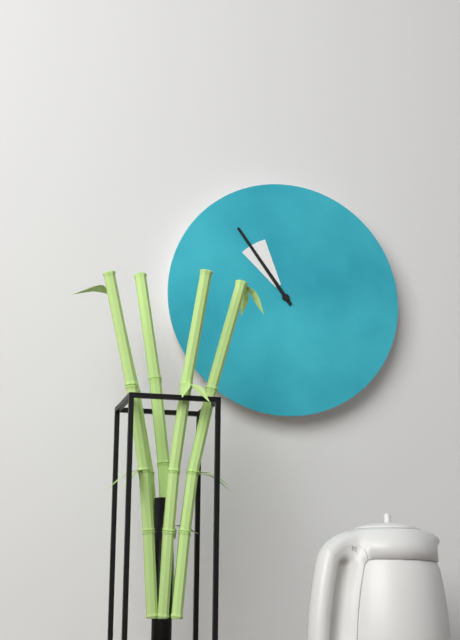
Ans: 10:54
